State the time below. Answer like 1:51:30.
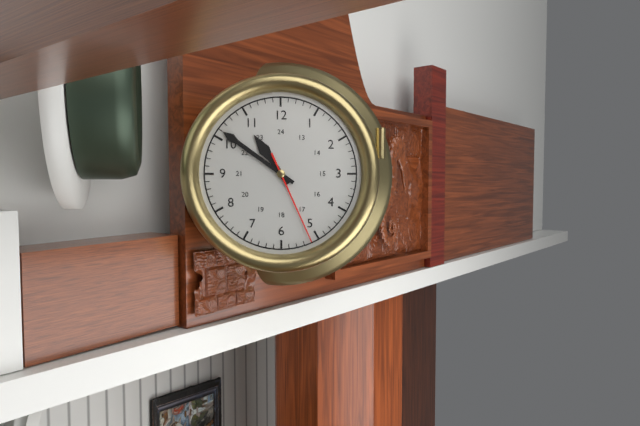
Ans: 10:51:26
